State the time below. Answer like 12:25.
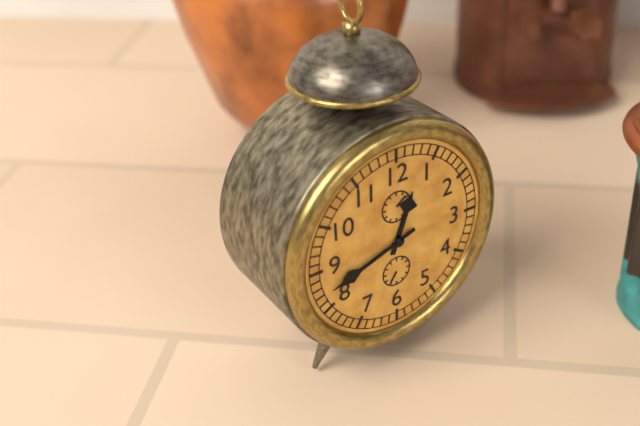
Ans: 12:42
